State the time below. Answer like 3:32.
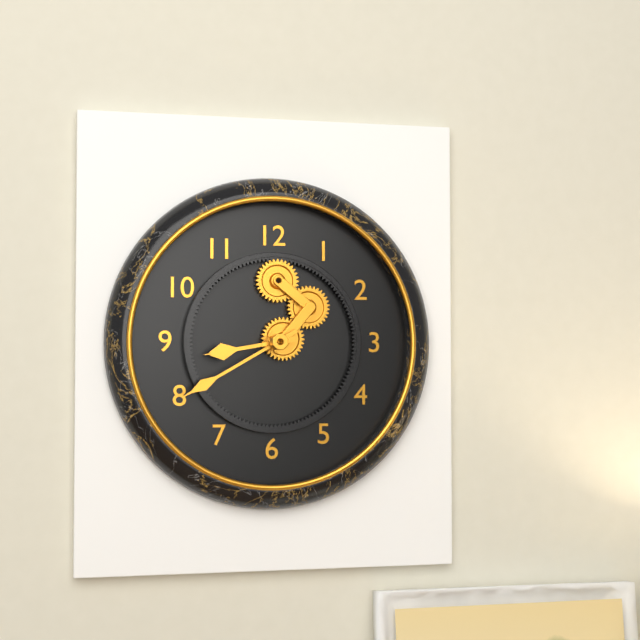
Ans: 8:40
